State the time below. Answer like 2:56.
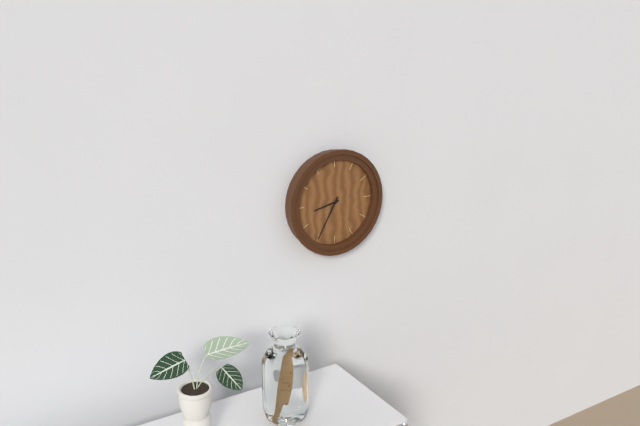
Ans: 8:35
